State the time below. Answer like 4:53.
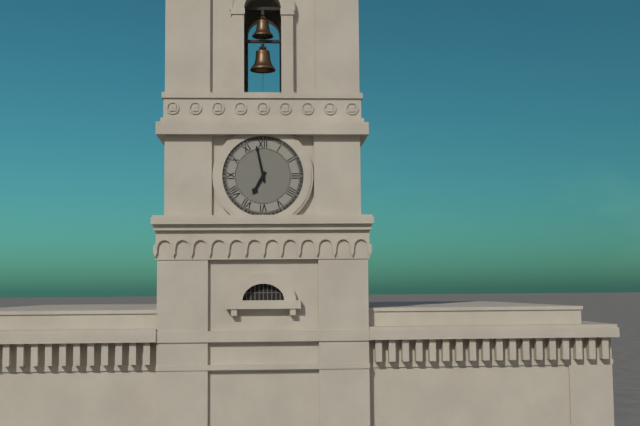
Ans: 6:58
